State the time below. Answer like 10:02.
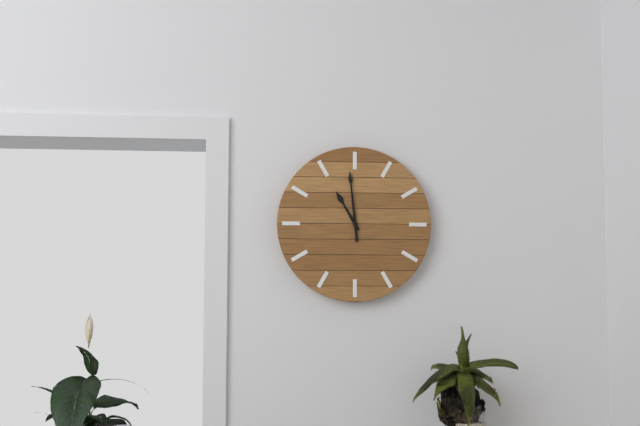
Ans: 10:59
